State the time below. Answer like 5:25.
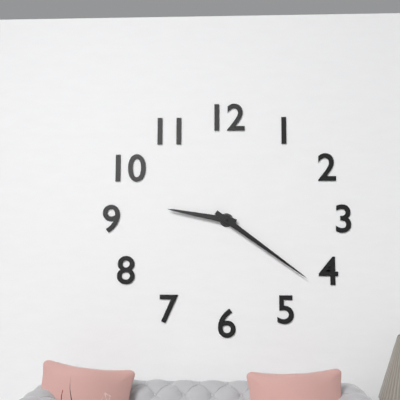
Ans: 9:21
